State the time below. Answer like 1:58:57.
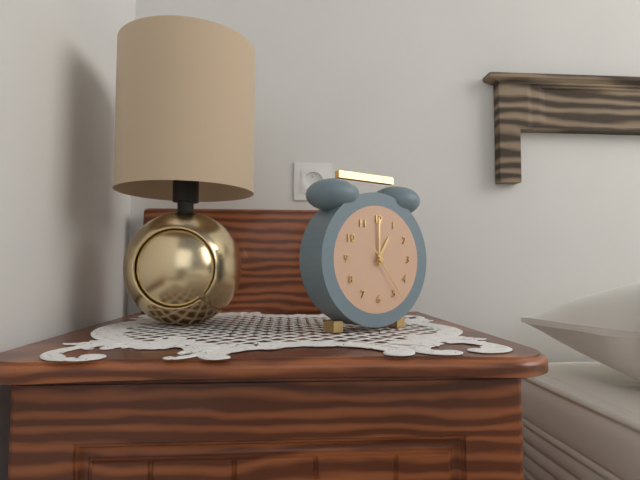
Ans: 1:00:24
